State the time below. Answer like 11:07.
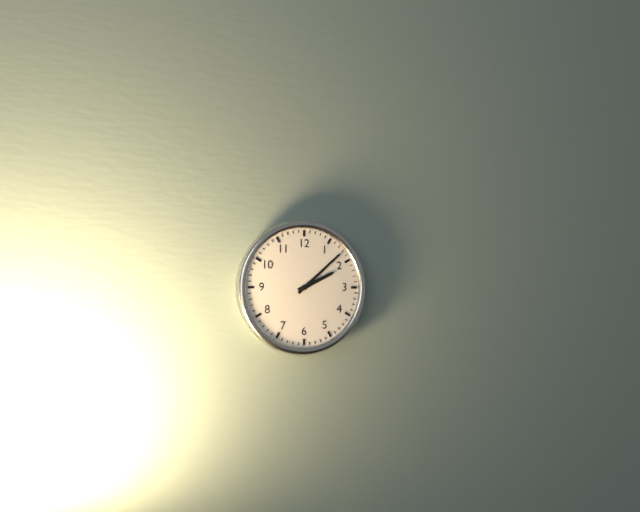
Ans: 2:08
